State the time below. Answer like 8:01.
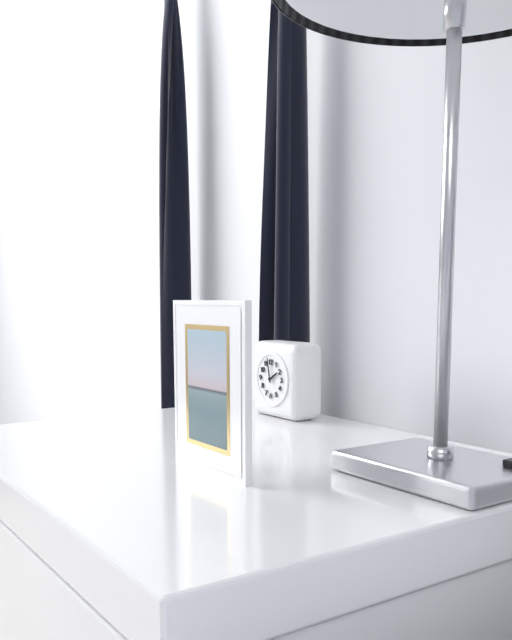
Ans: 1:58
